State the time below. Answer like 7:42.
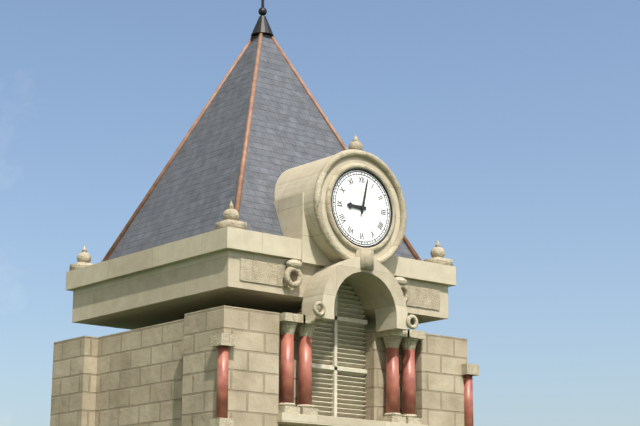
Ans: 9:02
